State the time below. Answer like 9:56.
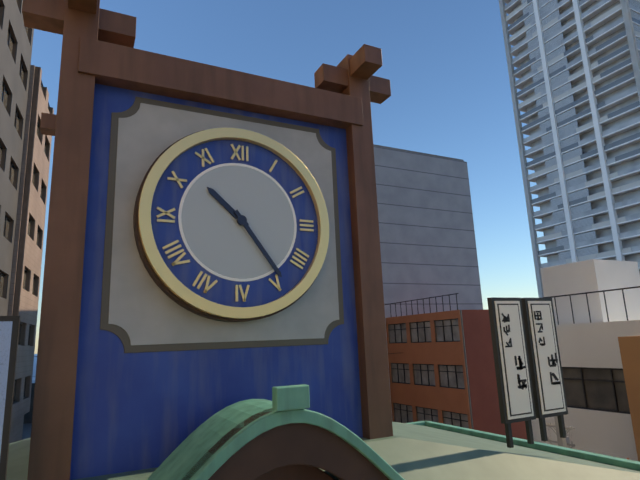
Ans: 10:24
